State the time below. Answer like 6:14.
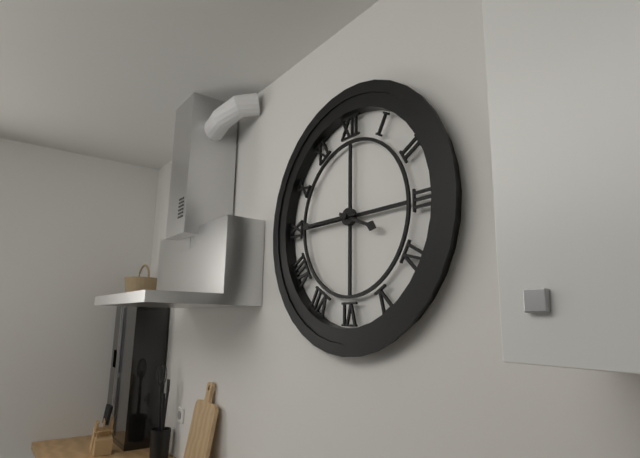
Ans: 3:45
